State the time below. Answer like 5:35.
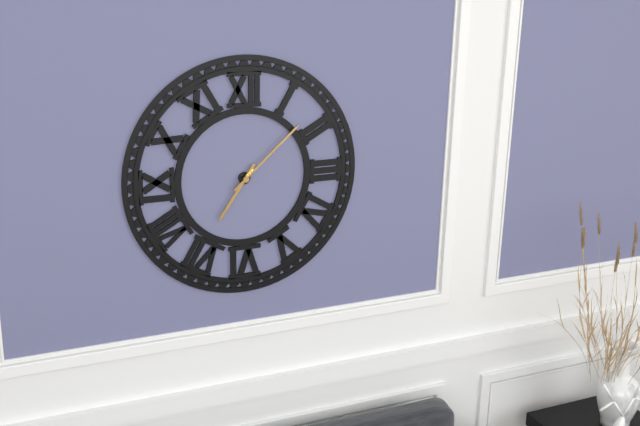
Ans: 7:08
